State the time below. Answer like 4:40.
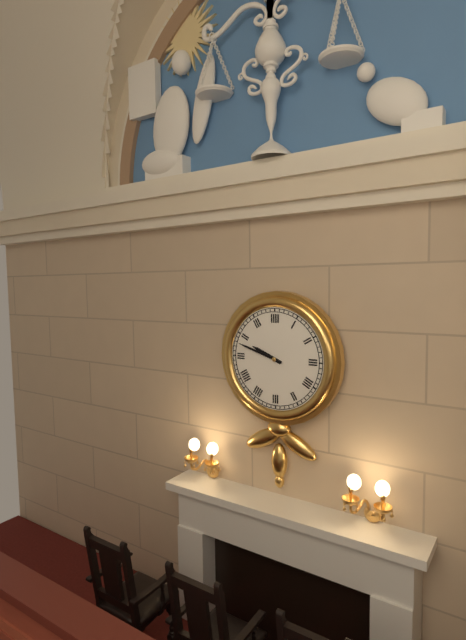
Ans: 9:48
